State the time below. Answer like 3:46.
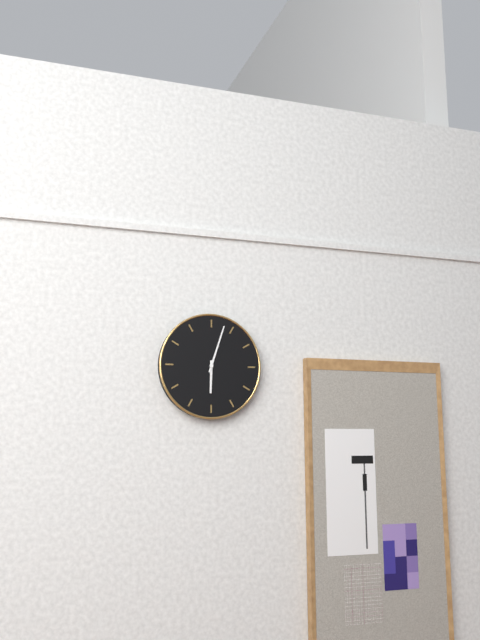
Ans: 6:03
